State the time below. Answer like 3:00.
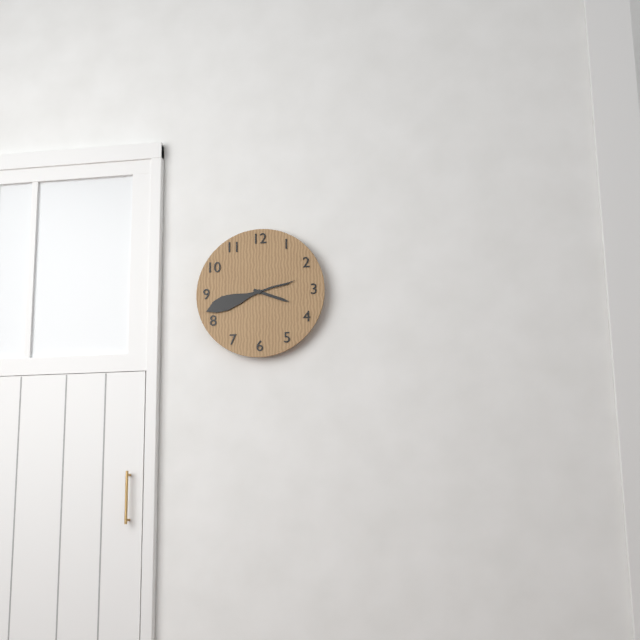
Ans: 3:42
